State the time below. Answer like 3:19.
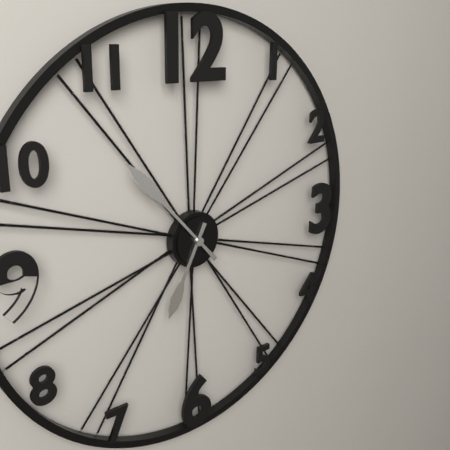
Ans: 6:53
